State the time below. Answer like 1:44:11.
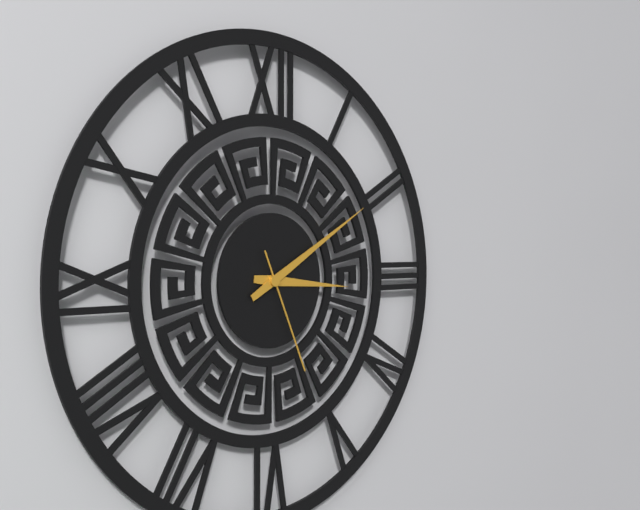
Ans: 3:10:26
